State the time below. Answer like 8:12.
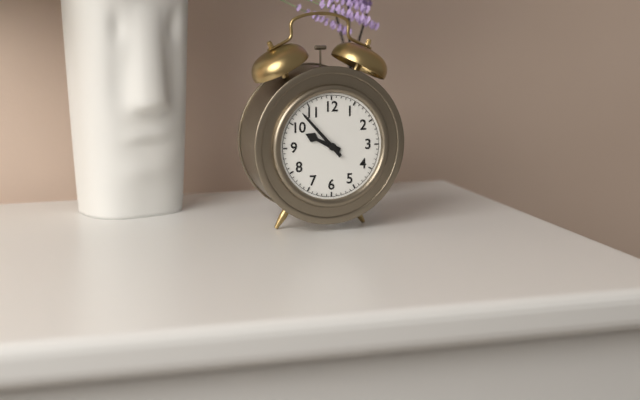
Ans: 9:53
